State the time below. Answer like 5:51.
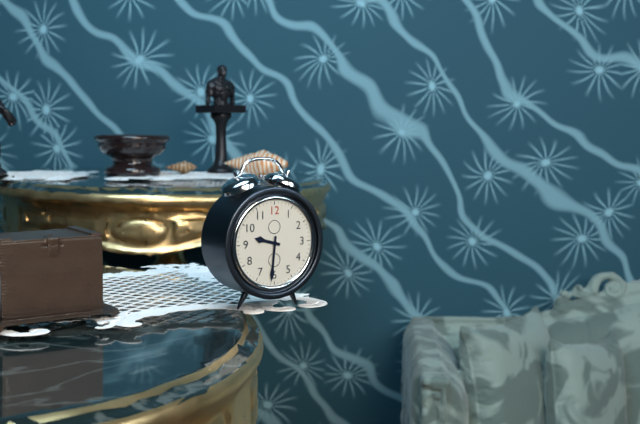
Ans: 9:31
